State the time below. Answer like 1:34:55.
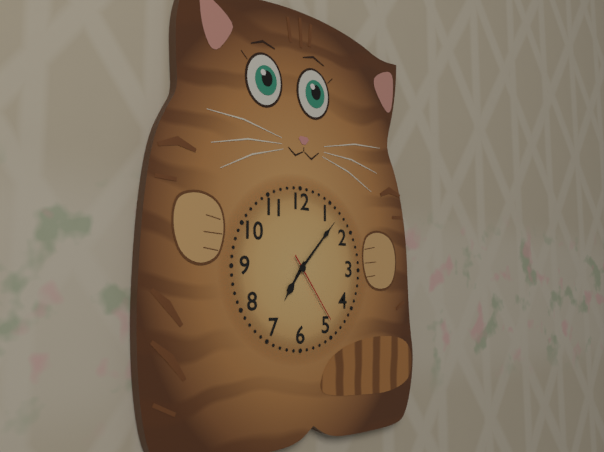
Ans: 7:07:24
